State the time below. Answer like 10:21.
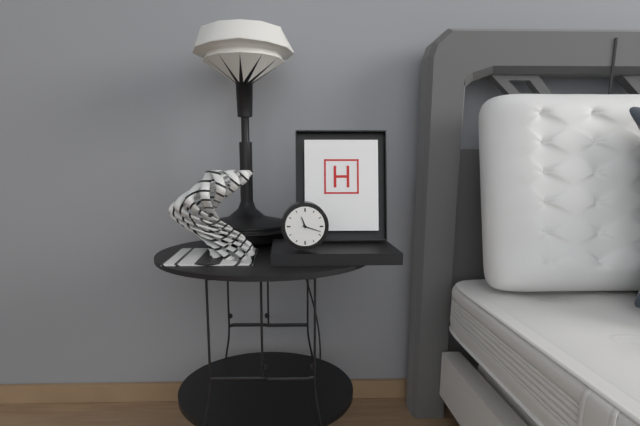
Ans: 11:18
